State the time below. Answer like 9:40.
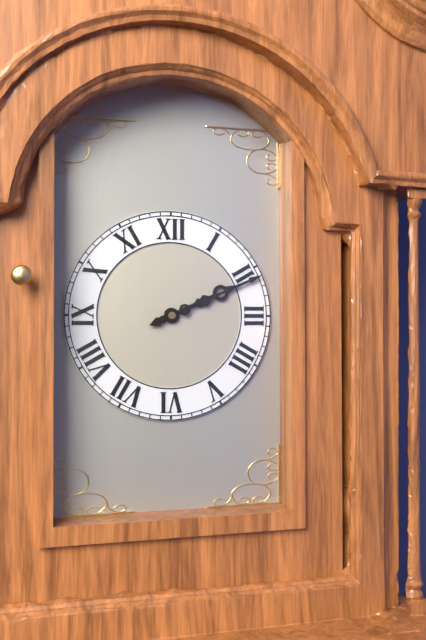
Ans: 2:11
